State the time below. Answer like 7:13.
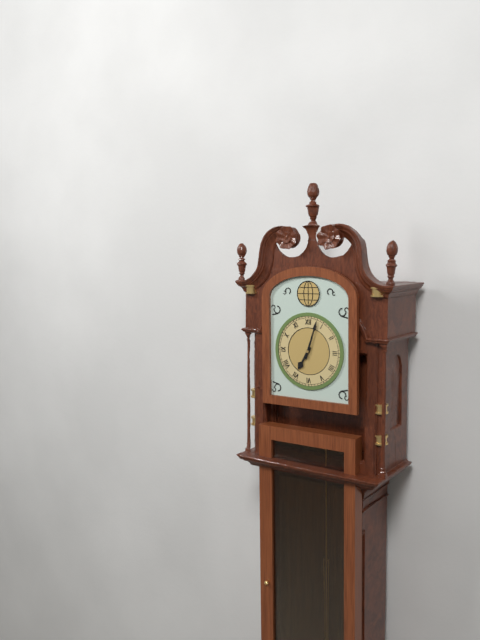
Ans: 7:03
